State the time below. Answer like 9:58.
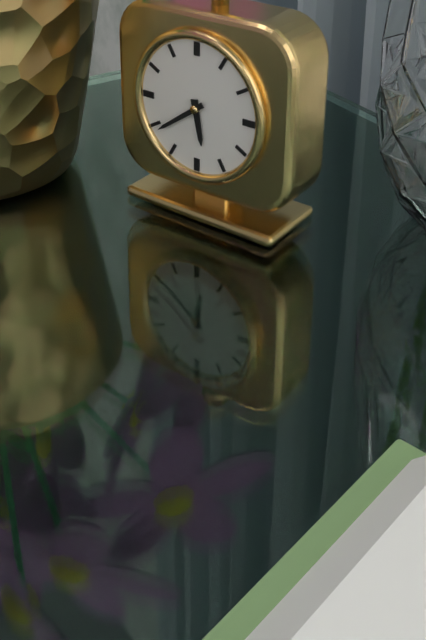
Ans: 5:39
